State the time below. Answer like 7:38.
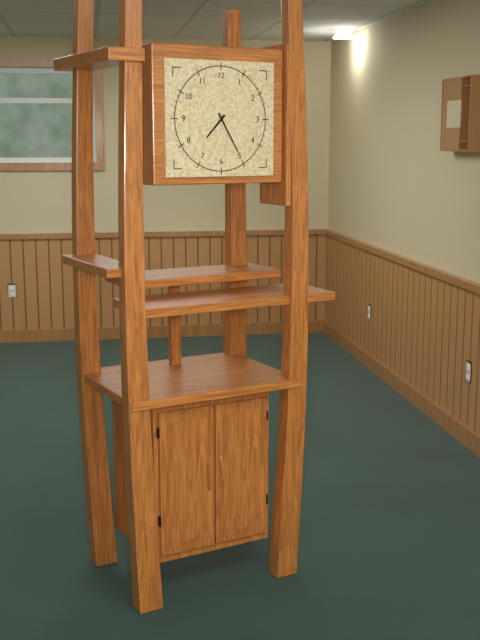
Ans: 7:25
